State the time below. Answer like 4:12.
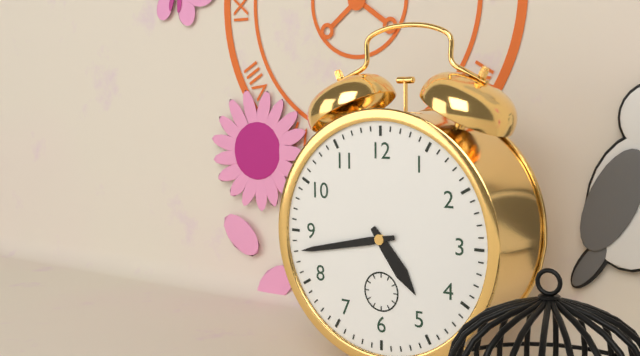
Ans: 4:43
